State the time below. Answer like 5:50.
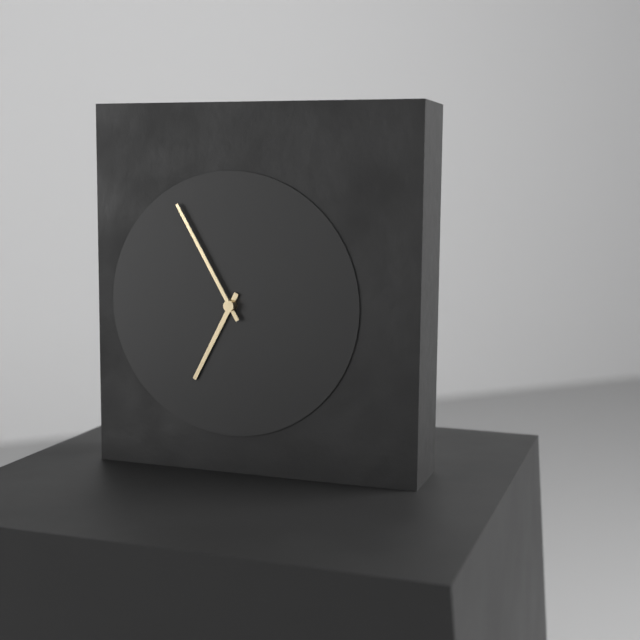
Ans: 6:55
